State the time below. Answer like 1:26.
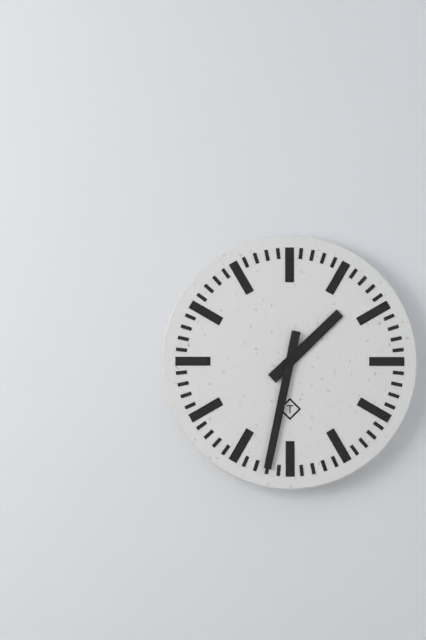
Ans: 1:32
